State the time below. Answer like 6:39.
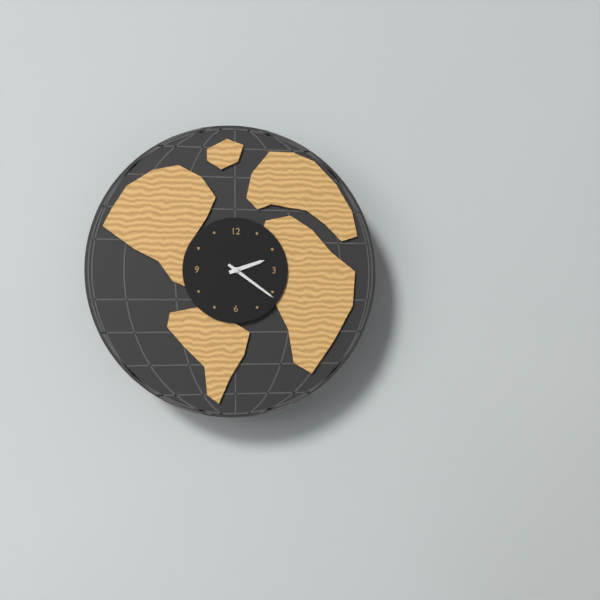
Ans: 2:21
